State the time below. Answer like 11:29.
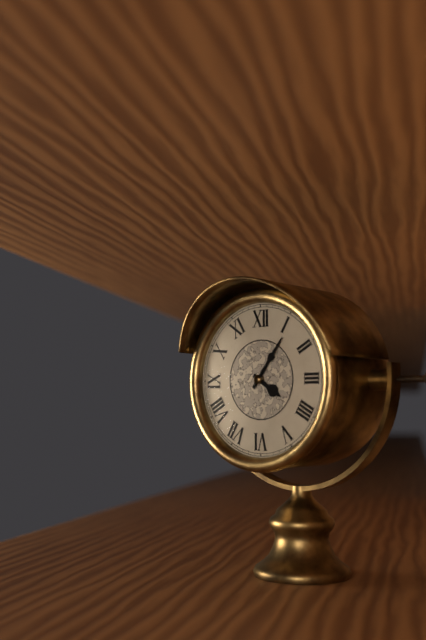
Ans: 4:06
